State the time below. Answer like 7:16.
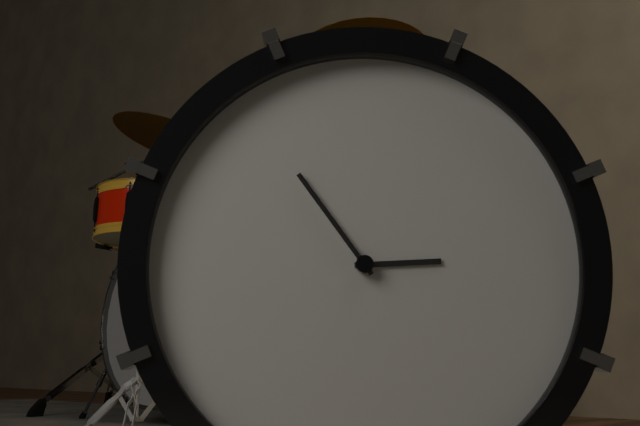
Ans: 2:54
